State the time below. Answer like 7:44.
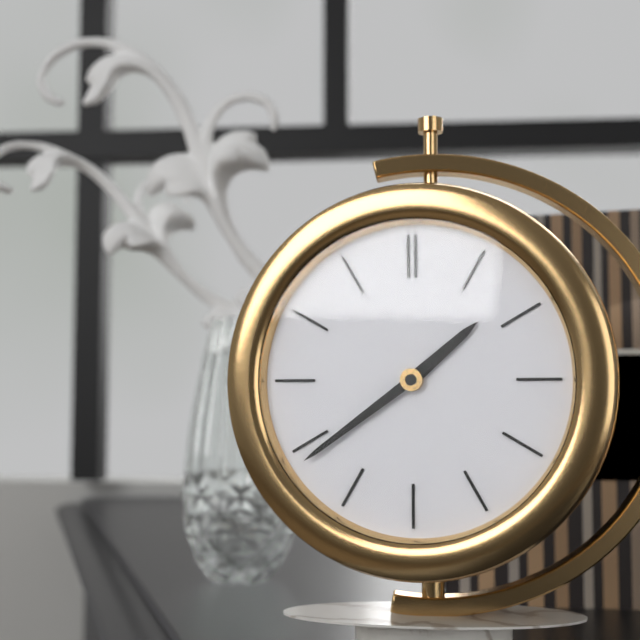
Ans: 1:39
